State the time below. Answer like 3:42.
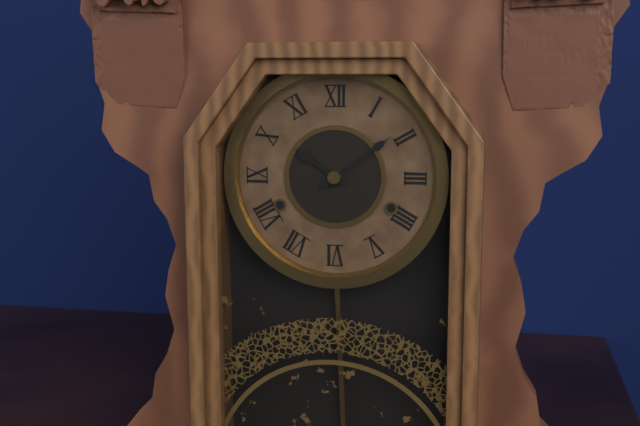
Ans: 10:09
